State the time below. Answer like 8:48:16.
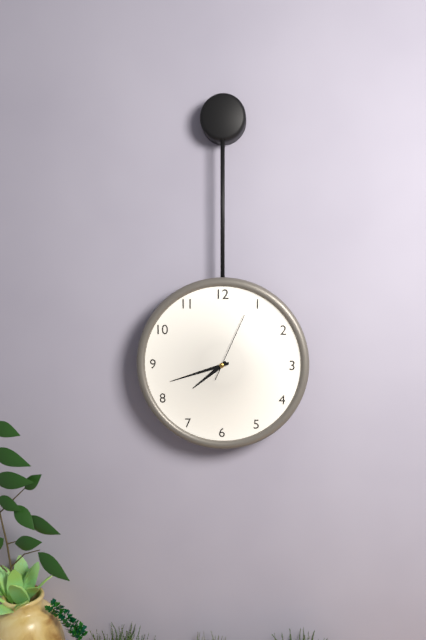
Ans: 7:42:04
